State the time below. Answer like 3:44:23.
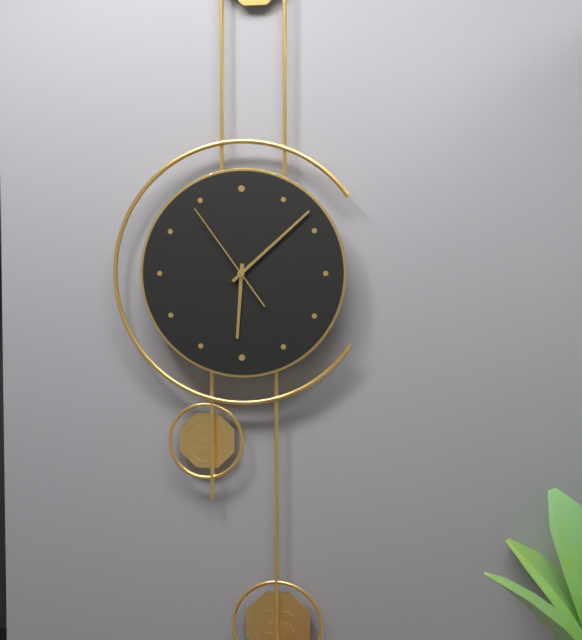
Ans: 6:08:54
